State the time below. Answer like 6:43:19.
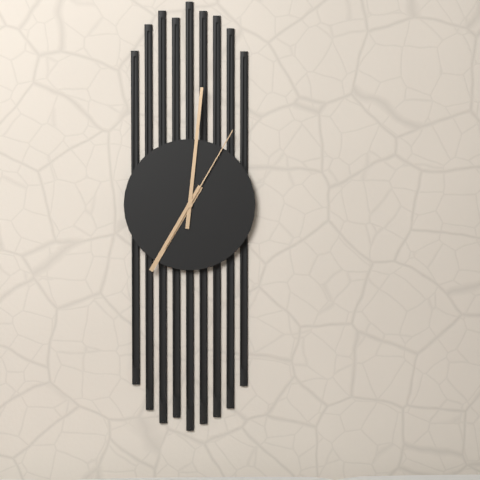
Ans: 7:01:05
